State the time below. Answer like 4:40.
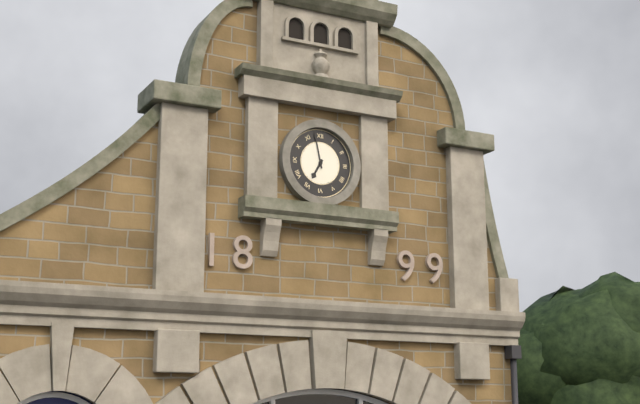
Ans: 6:58
